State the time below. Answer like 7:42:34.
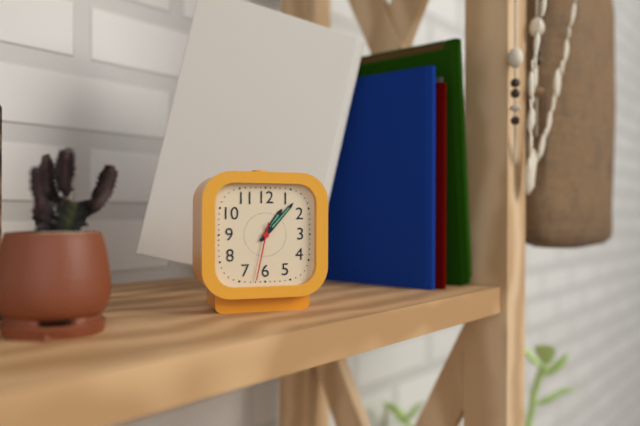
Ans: 1:07:32
